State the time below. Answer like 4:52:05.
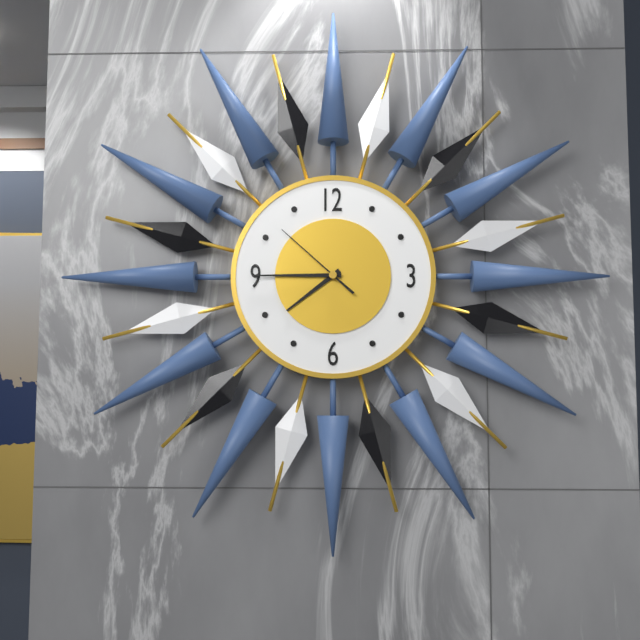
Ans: 7:45:52
